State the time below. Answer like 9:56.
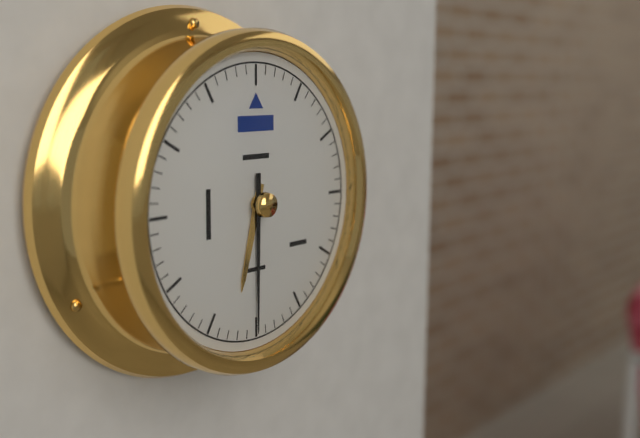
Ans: 6:30
